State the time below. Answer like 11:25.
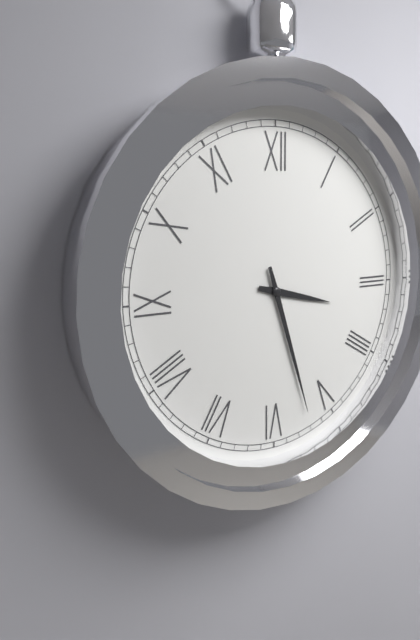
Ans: 3:27
